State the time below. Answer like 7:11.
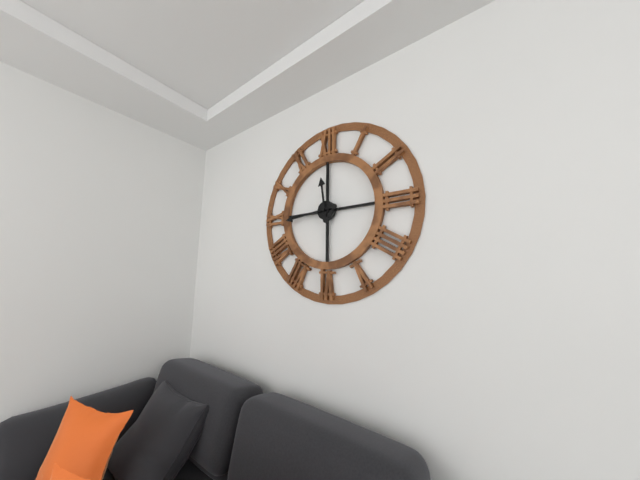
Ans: 11:44
